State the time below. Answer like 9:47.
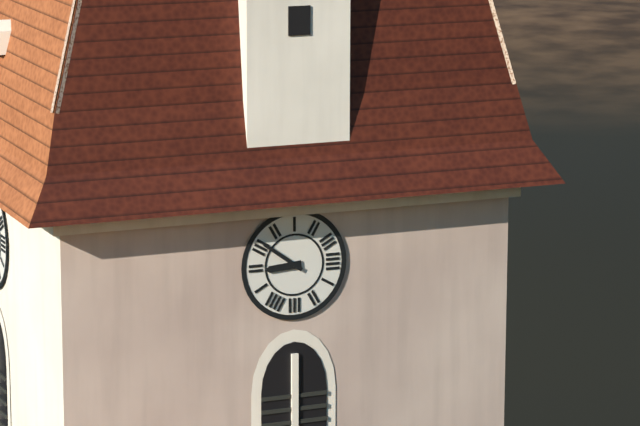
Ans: 8:51
